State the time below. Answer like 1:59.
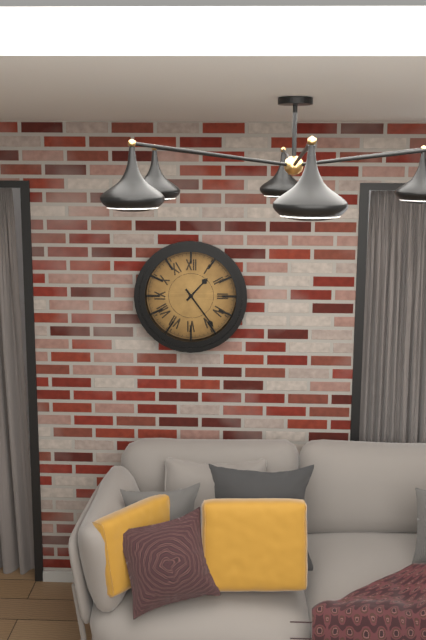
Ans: 1:24
